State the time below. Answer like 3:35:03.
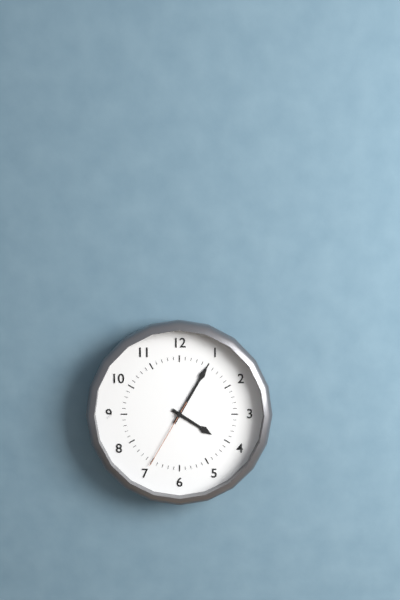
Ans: 4:05:35
